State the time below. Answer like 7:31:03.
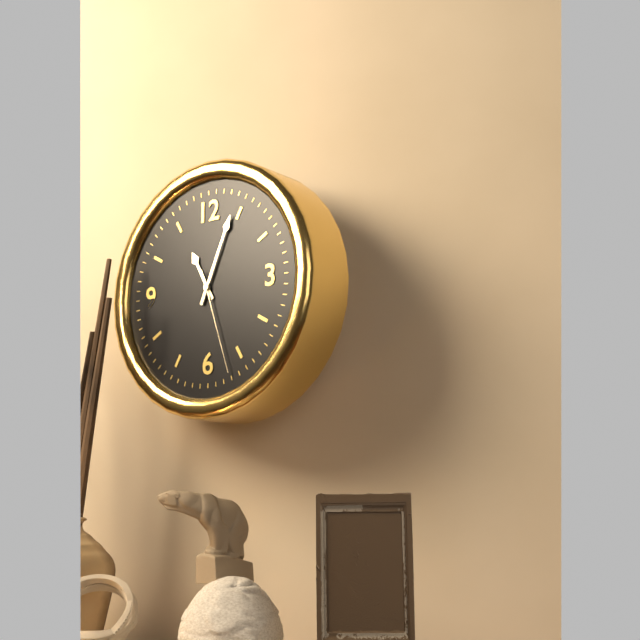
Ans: 11:04:27
